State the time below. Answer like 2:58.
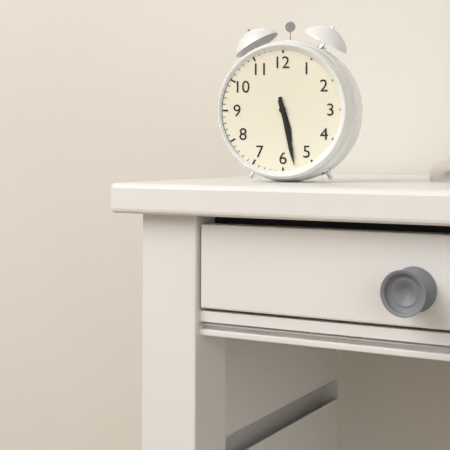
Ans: 5:28
